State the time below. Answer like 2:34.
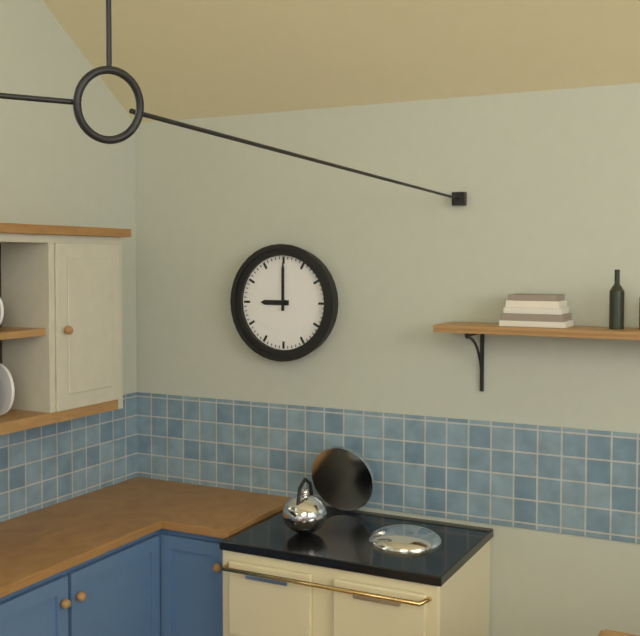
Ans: 9:00
